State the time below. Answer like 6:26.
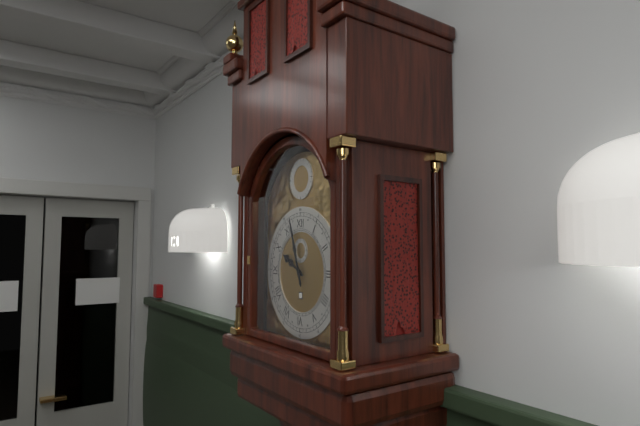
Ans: 9:57
